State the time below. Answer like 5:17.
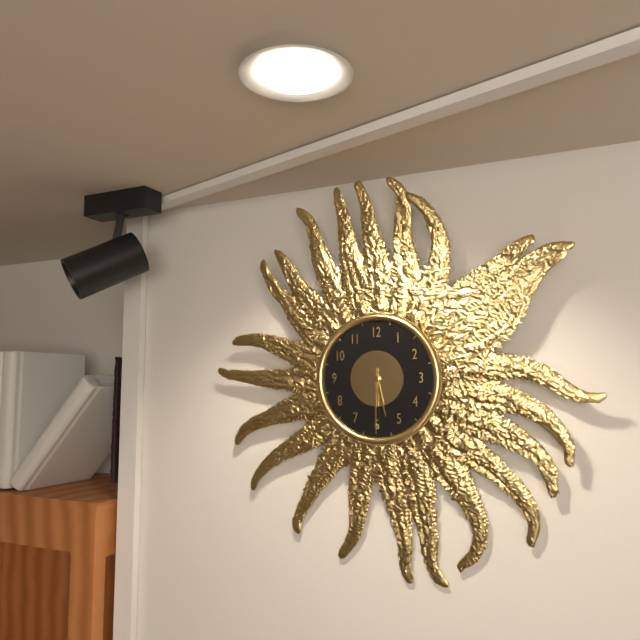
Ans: 5:30
